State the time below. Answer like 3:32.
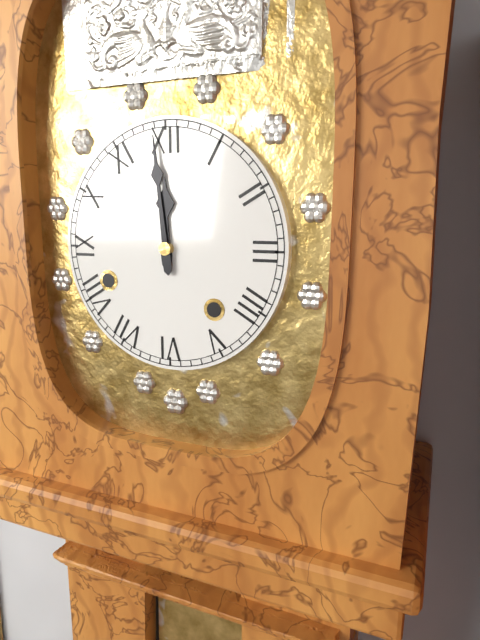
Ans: 11:59
